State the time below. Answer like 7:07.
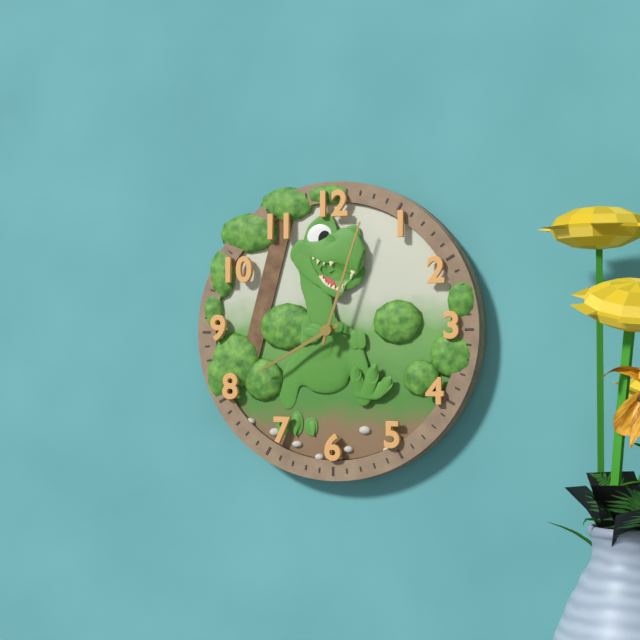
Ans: 8:03
